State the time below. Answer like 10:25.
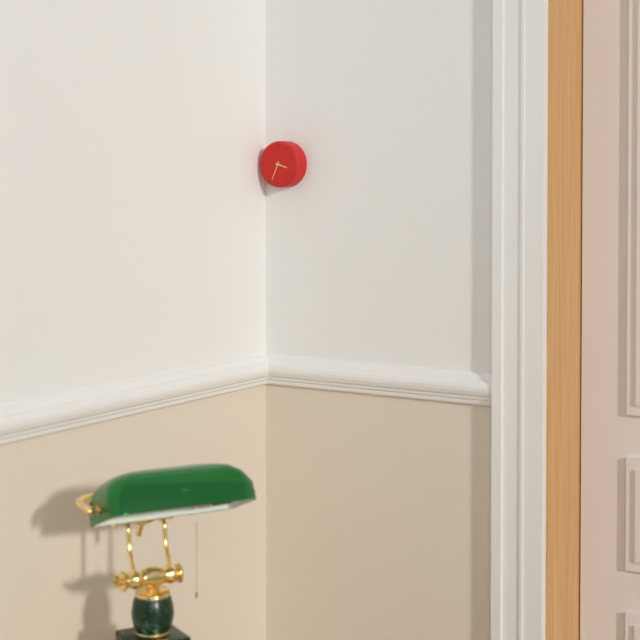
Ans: 3:34
